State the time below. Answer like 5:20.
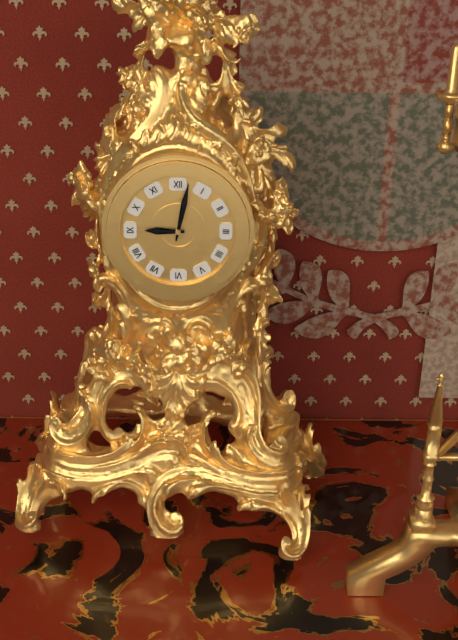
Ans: 9:02
